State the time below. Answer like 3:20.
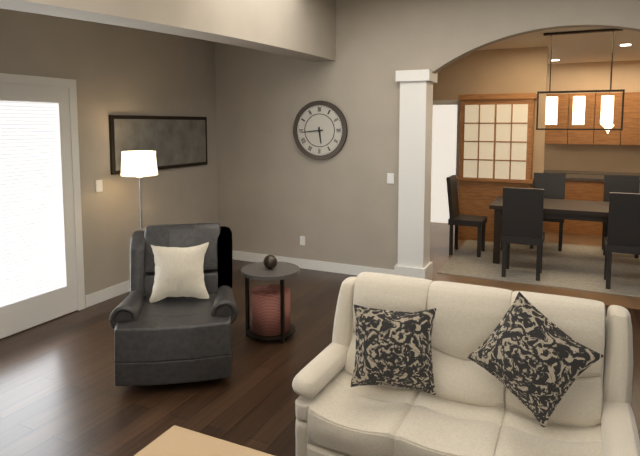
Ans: 5:44
